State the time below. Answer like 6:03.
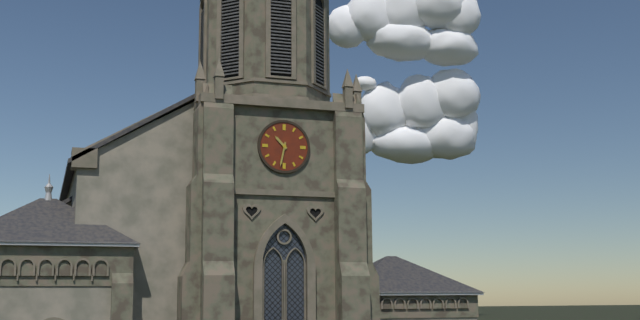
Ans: 10:32
